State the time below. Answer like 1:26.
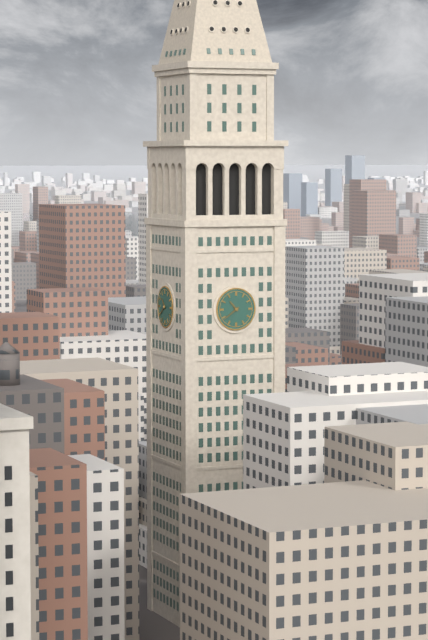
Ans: 10:39
